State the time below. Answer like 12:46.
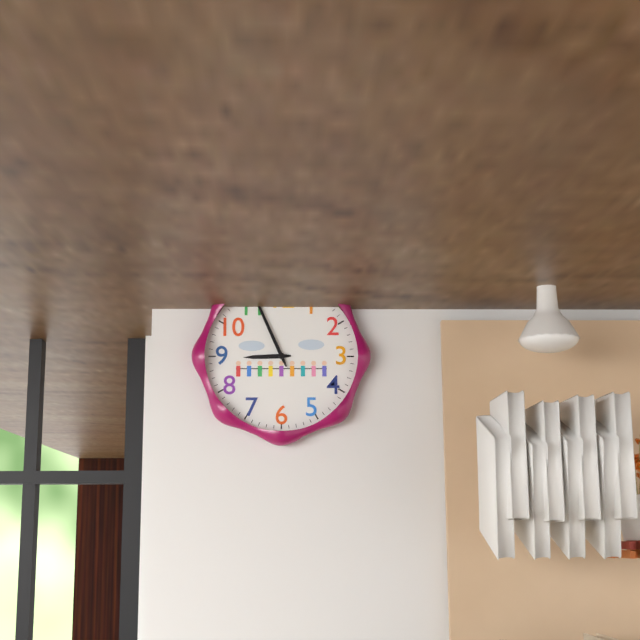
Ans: 8:56
